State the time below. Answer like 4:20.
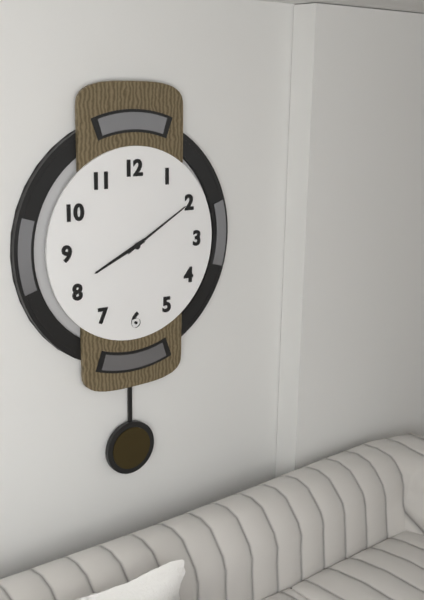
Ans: 8:10
